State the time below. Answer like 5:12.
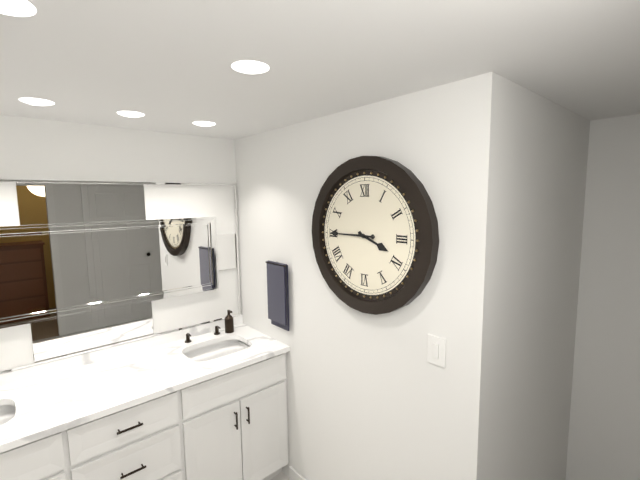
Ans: 3:45
